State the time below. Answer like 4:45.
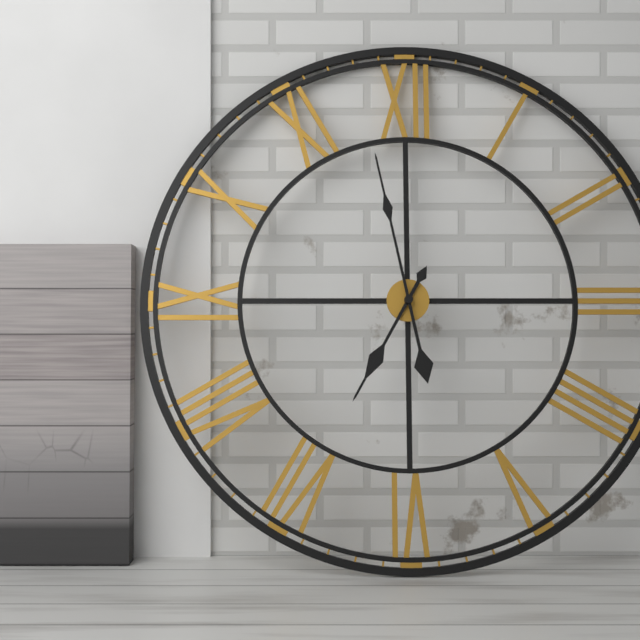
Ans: 6:58
